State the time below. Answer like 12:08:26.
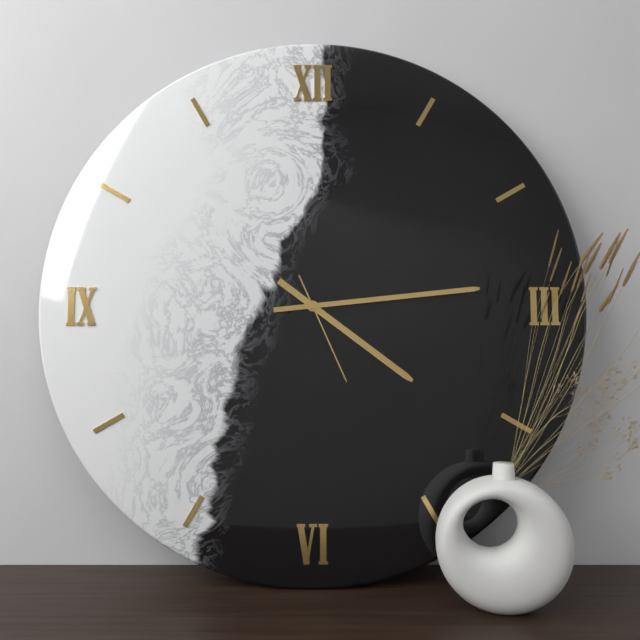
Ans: 4:14:26
